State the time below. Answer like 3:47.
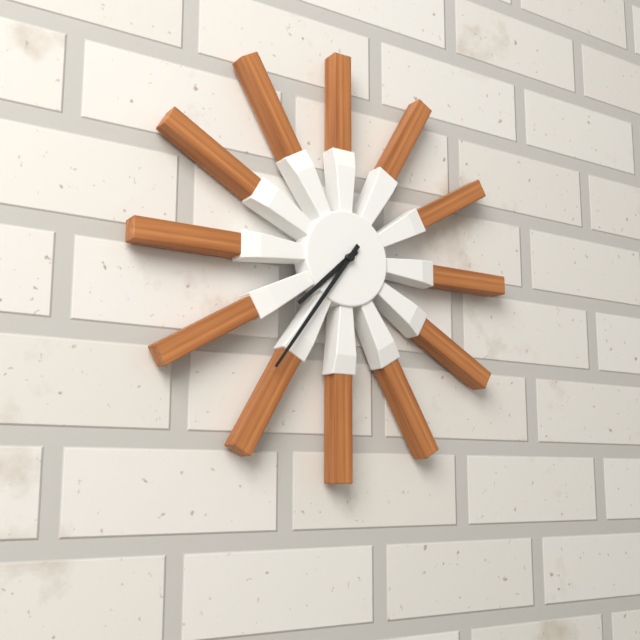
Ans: 7:36
